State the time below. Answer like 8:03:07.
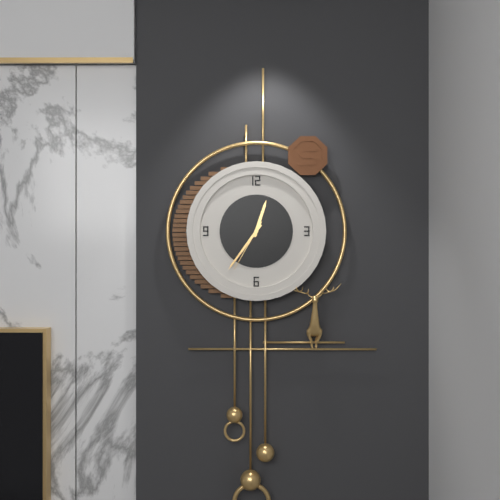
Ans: 12:36:35
